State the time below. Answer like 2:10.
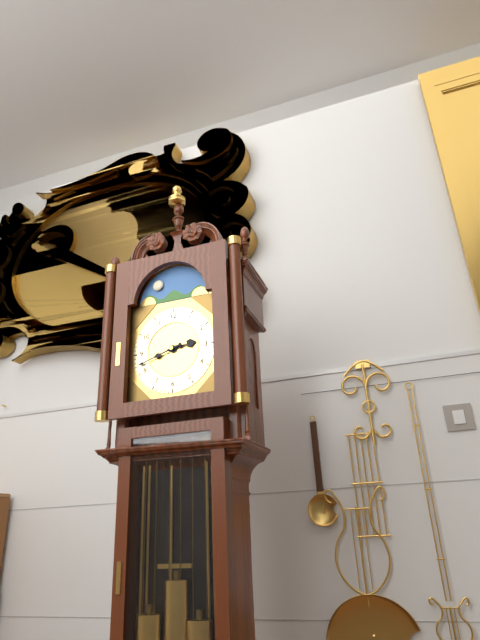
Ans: 2:42
